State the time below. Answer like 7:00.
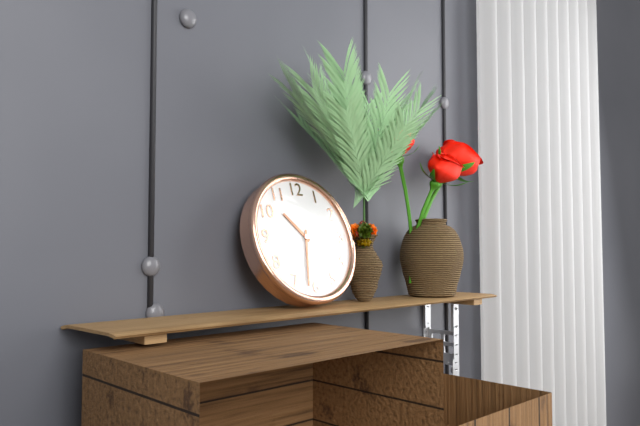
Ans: 10:32
